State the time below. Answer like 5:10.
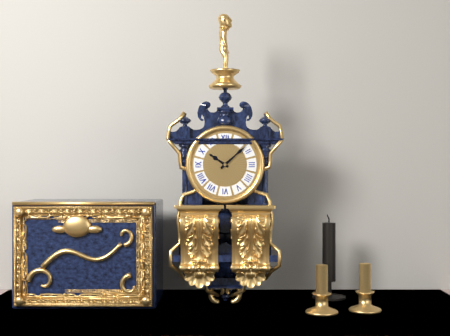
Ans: 10:08
